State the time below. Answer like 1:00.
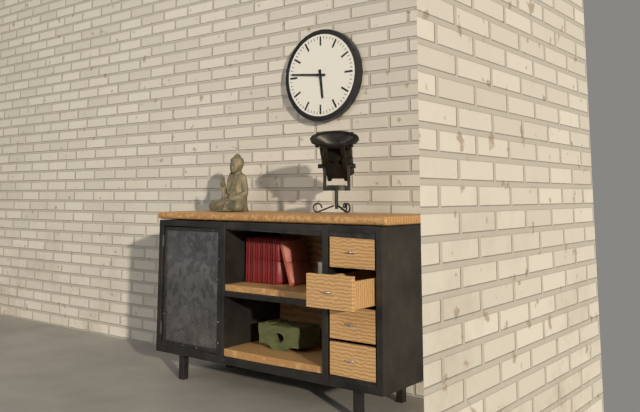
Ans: 5:46
